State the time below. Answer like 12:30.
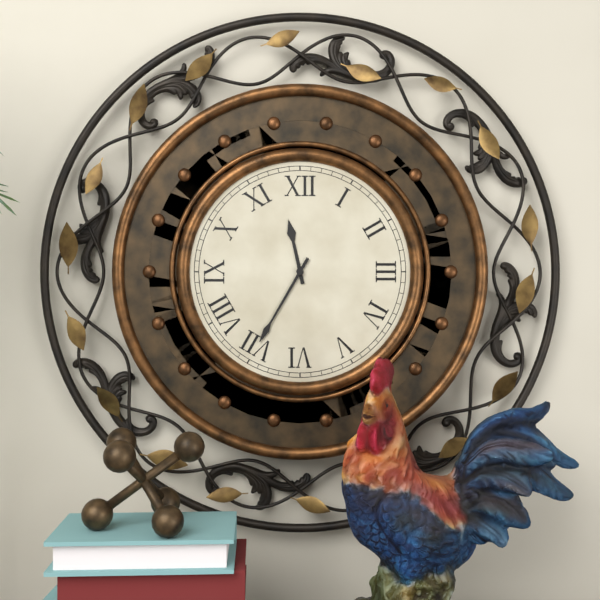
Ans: 11:35
